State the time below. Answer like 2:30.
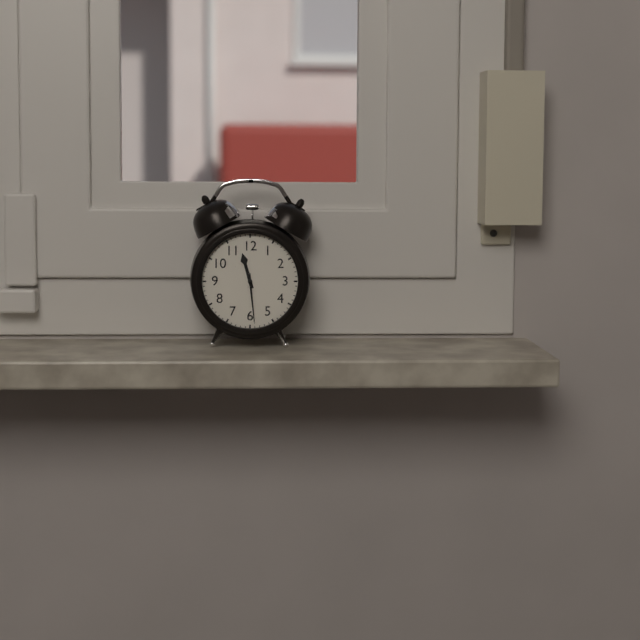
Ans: 11:29
